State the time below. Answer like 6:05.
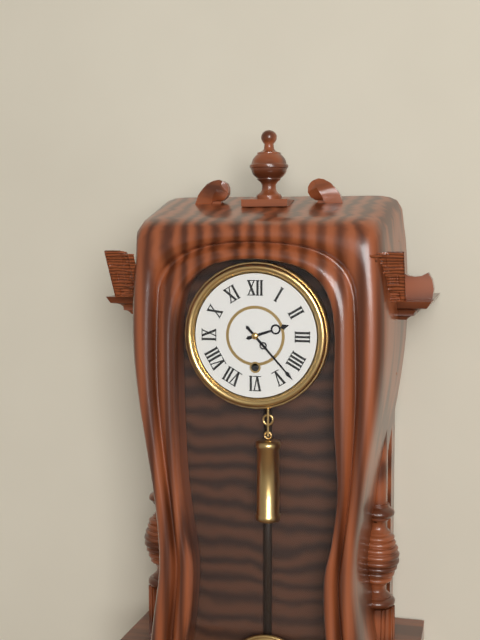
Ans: 2:23
